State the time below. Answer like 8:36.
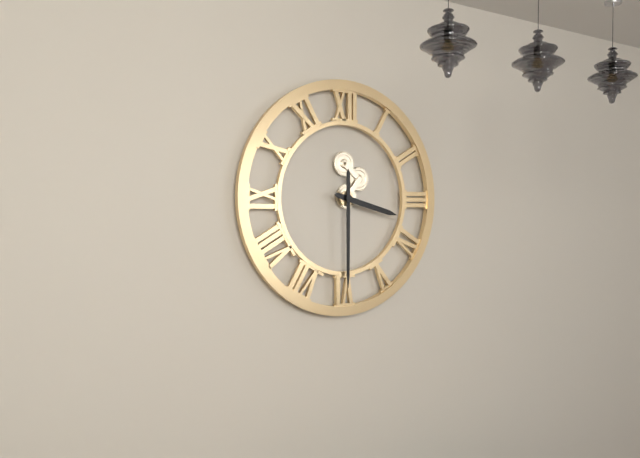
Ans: 3:30
